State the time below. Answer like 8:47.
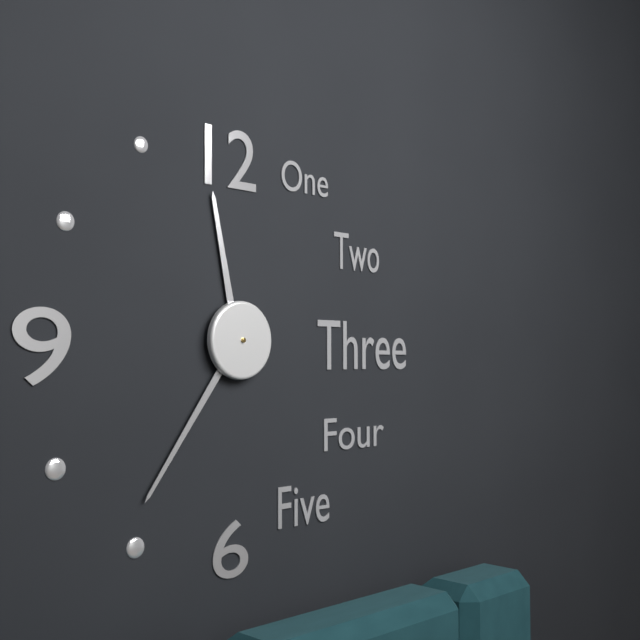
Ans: 11:36
